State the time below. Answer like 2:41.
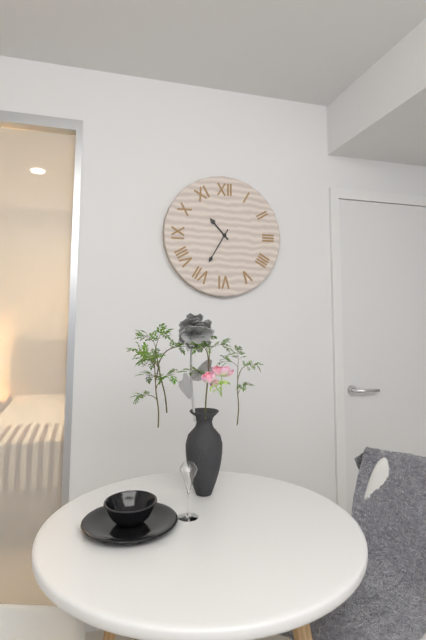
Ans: 10:35
